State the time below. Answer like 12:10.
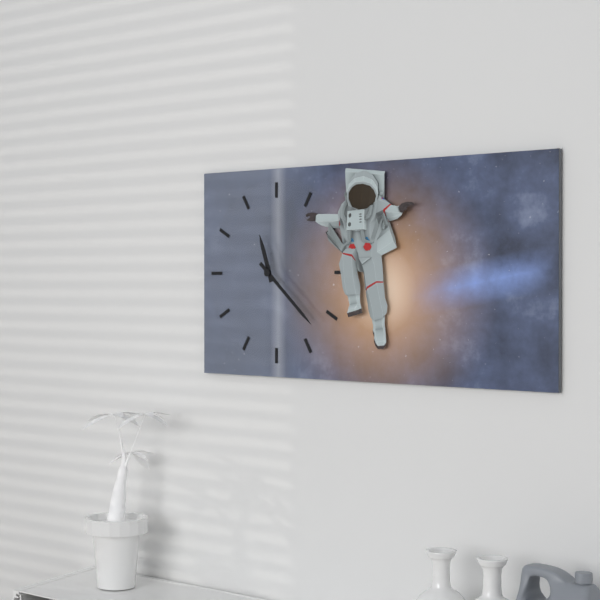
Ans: 11:22
